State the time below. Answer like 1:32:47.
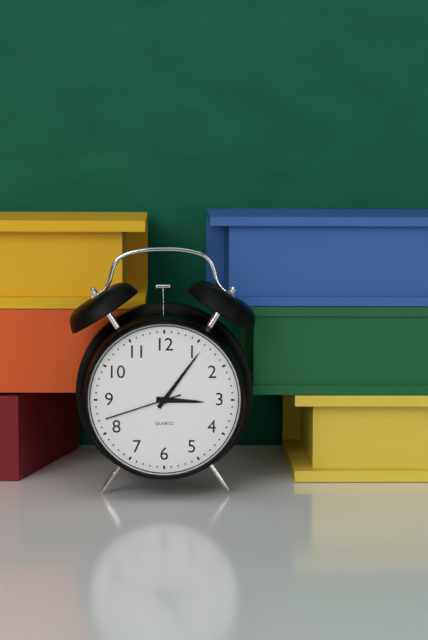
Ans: 3:06:42
